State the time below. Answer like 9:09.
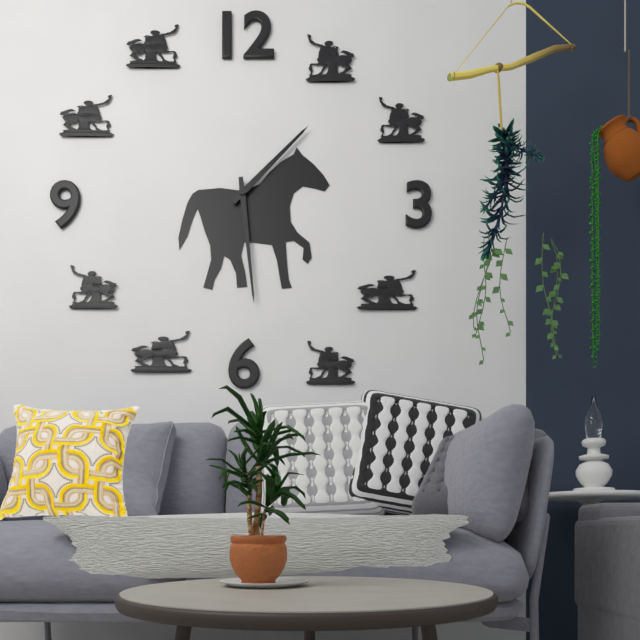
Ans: 1:29
